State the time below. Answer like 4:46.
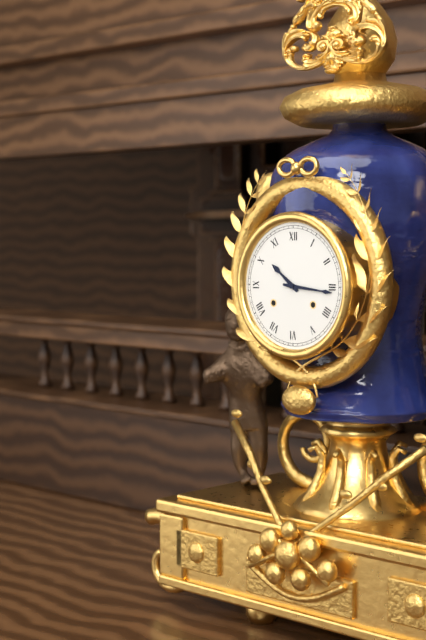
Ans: 10:16
